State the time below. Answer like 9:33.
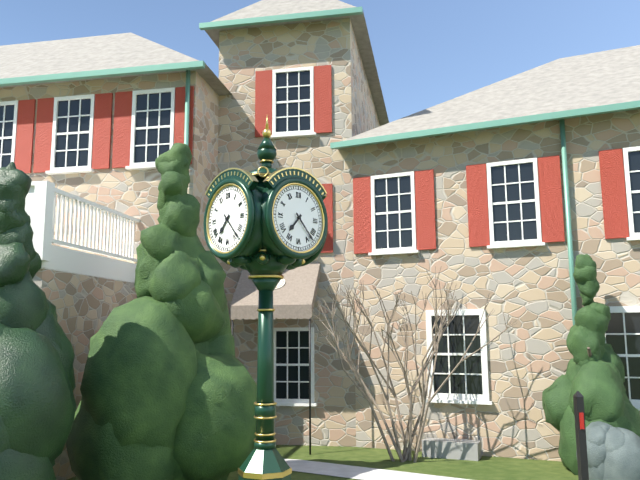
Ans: 7:23
